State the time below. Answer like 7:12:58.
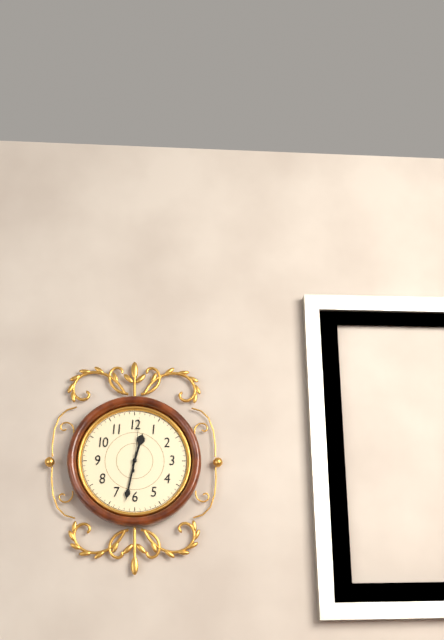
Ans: 12:32:01
